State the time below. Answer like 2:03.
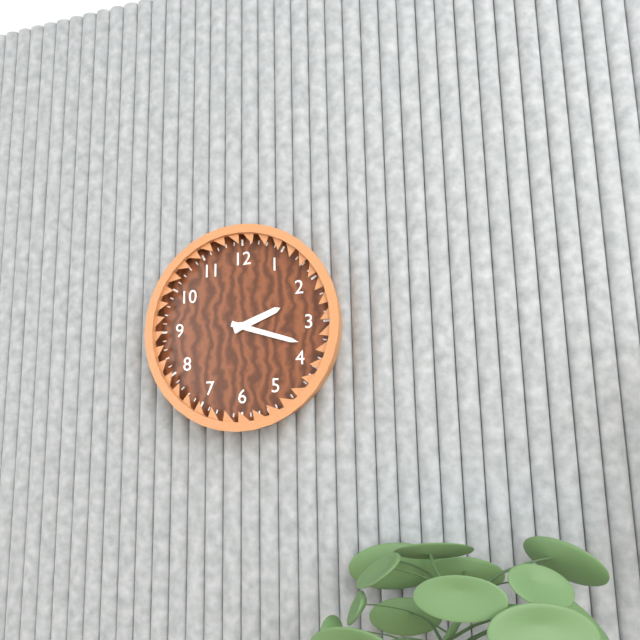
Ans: 2:18
